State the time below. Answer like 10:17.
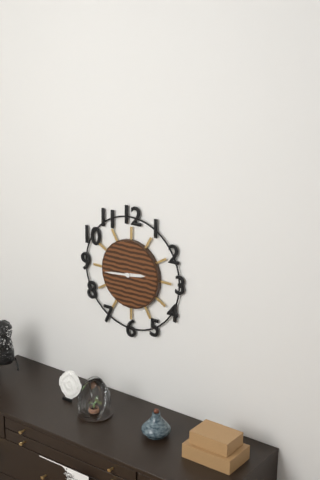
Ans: 2:44
